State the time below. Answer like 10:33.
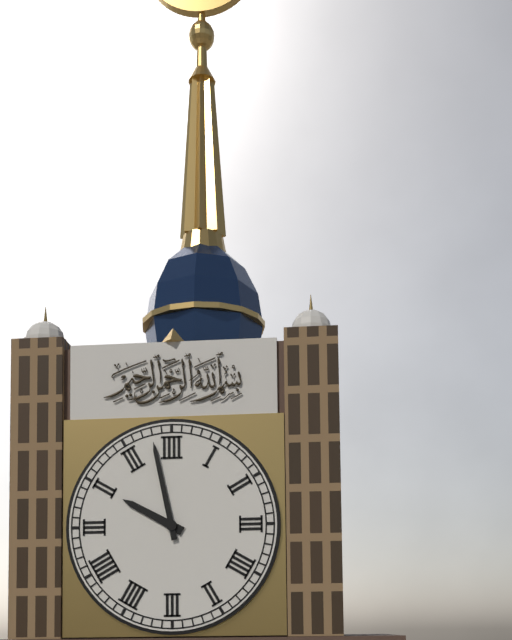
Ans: 9:58
